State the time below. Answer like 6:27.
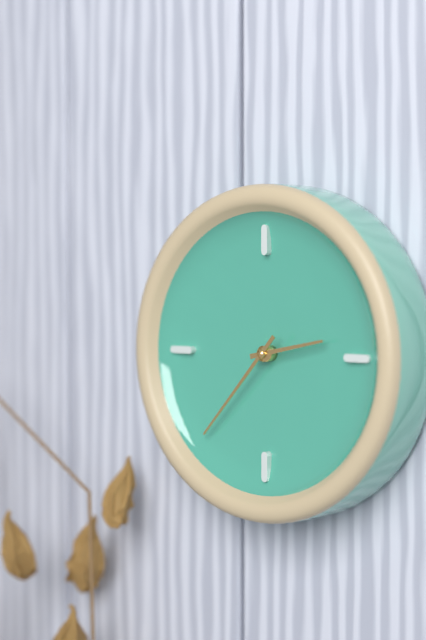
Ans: 2:37
